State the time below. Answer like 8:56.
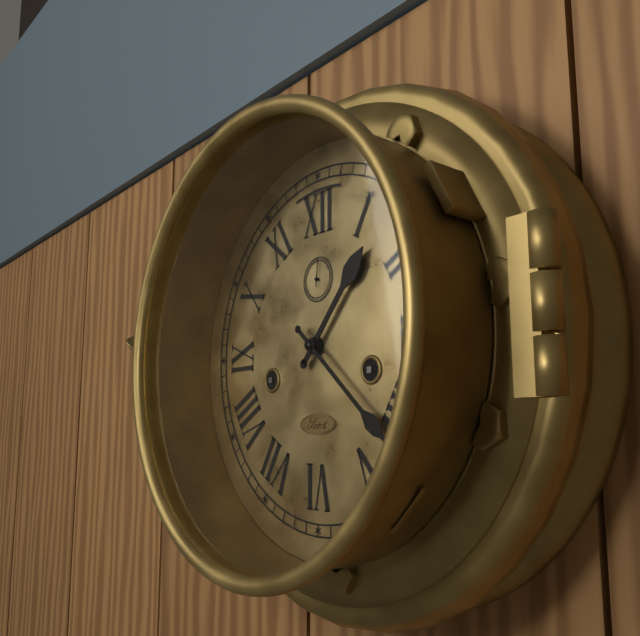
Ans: 1:22
